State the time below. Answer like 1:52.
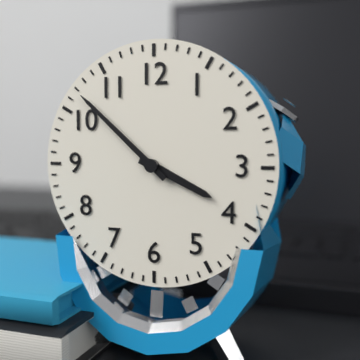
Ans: 3:52
